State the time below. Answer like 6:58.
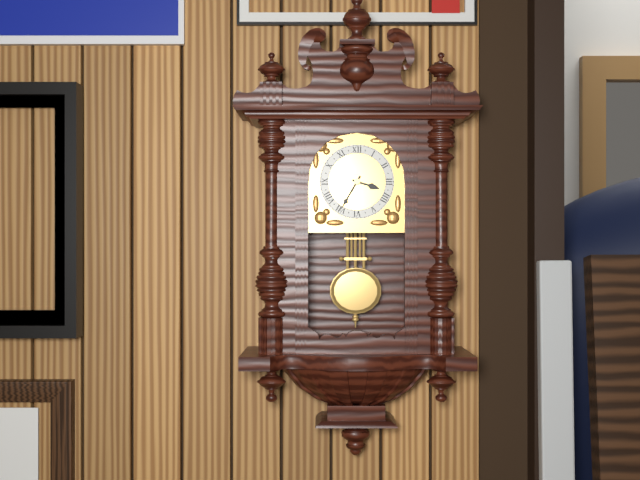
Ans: 3:35
